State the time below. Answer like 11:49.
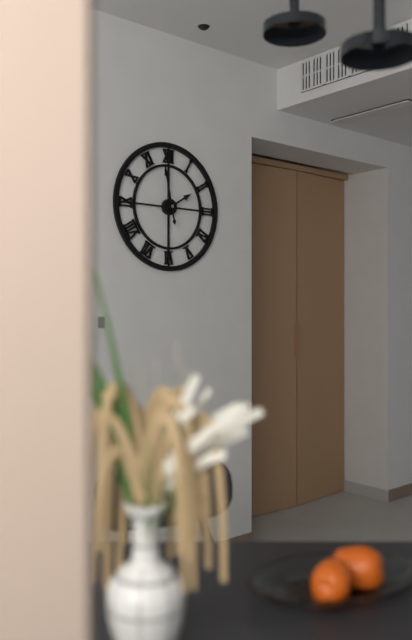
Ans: 1:58
